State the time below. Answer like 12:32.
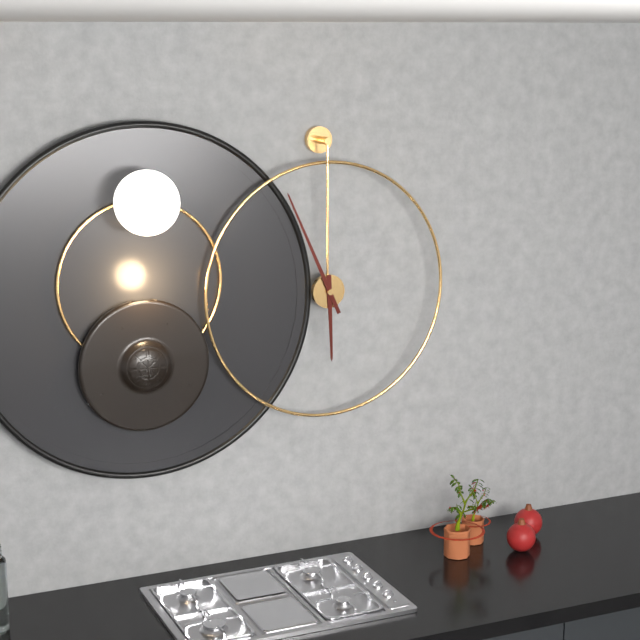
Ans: 5:56
